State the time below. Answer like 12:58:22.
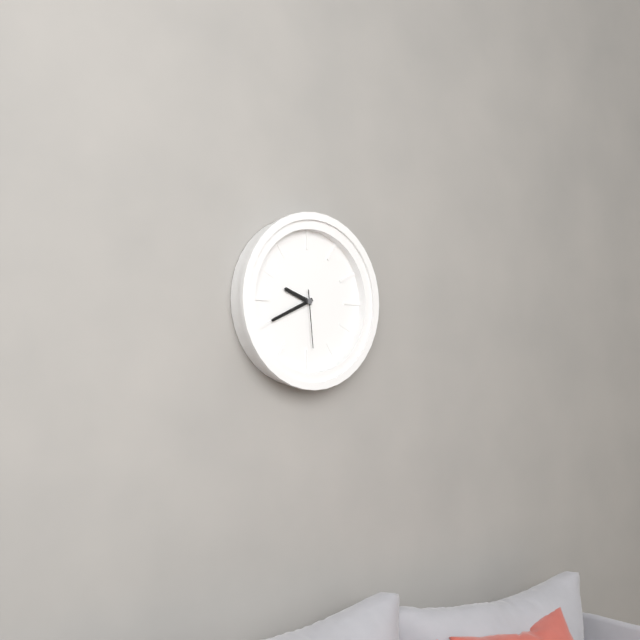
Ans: 9:41:29
